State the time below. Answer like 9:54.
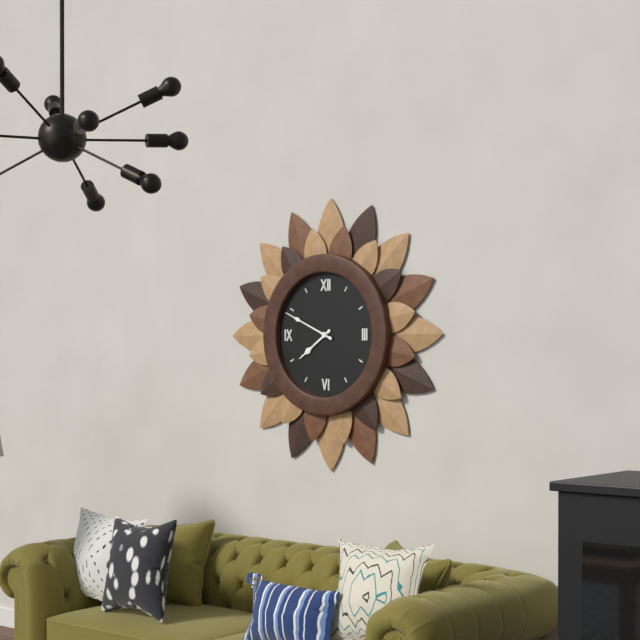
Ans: 7:49
